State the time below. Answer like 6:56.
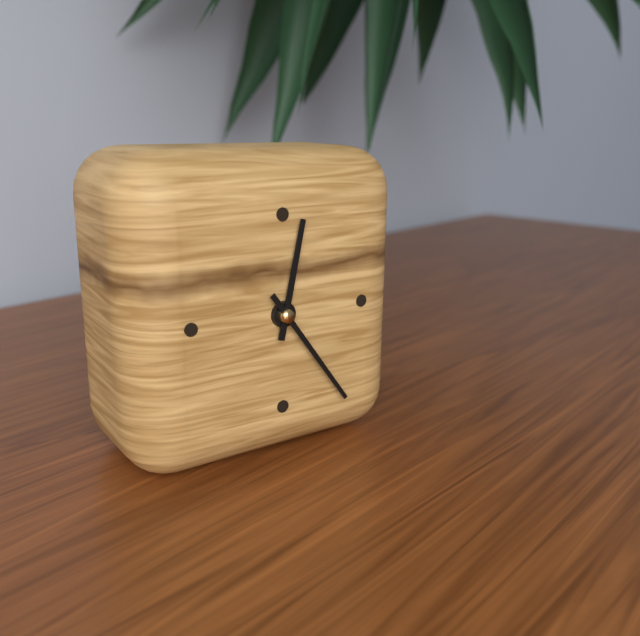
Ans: 12:24
